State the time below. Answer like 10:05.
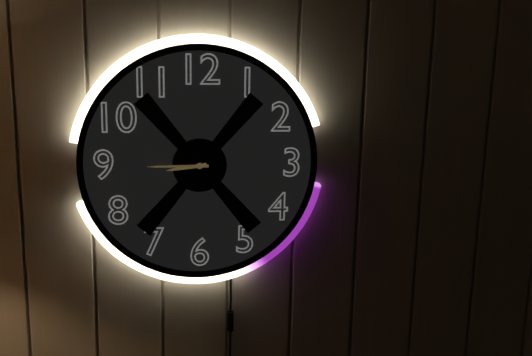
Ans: 8:45
